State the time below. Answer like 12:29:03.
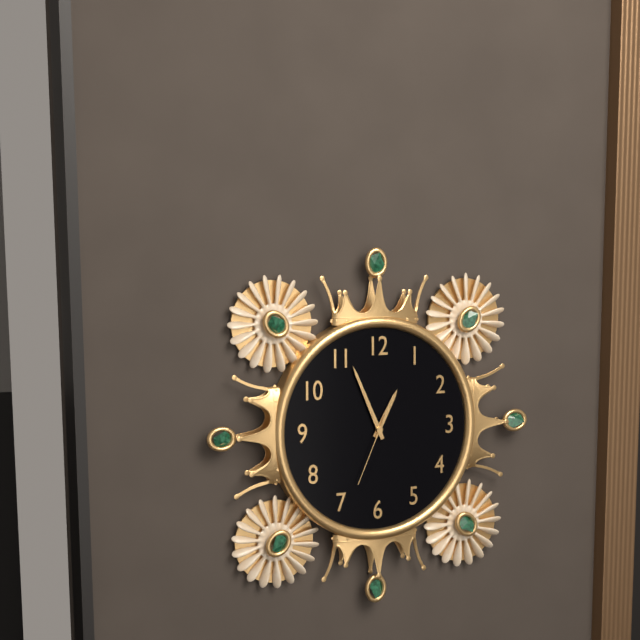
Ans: 12:56:34
